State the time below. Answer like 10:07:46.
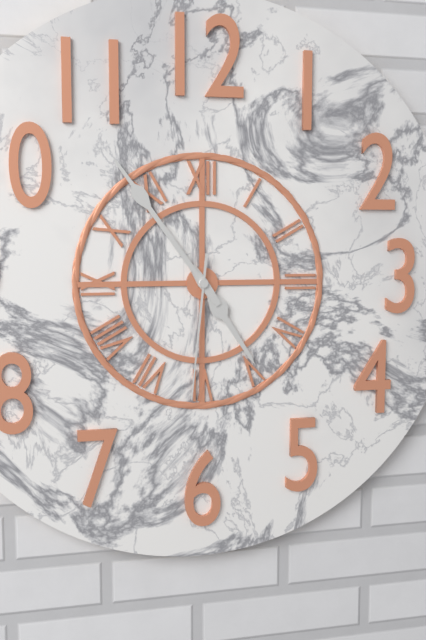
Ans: 4:54:31
